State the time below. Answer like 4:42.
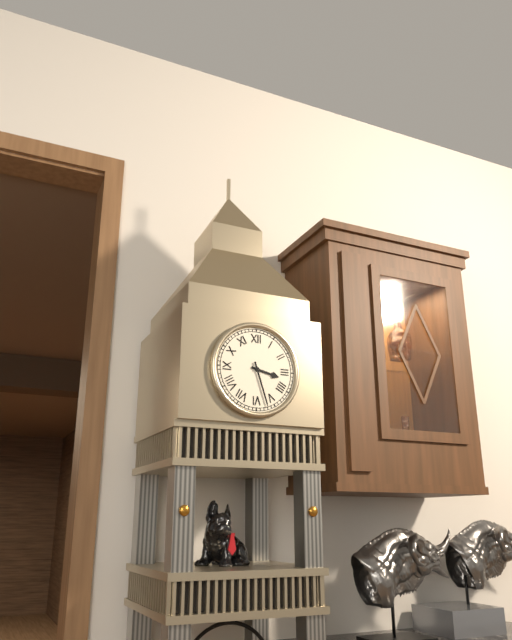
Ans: 3:27
